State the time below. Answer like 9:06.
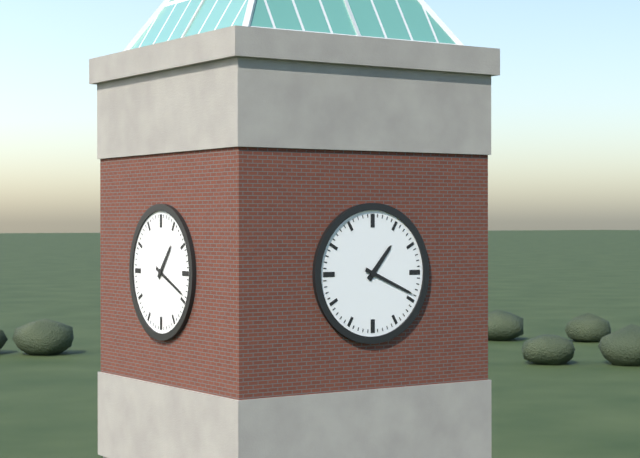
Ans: 1:19
